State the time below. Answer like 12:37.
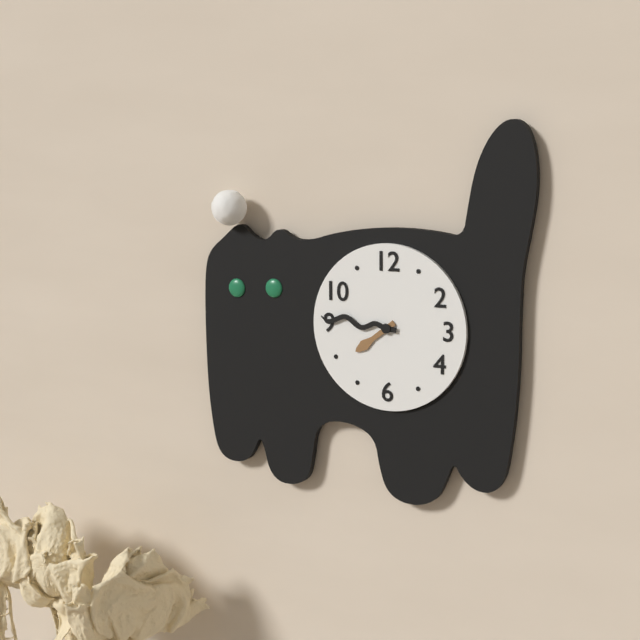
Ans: 7:46
